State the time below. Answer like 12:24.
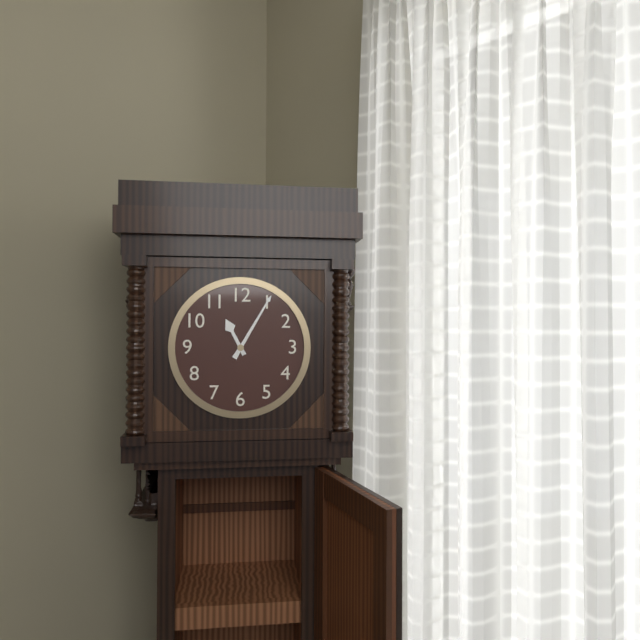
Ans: 11:05
